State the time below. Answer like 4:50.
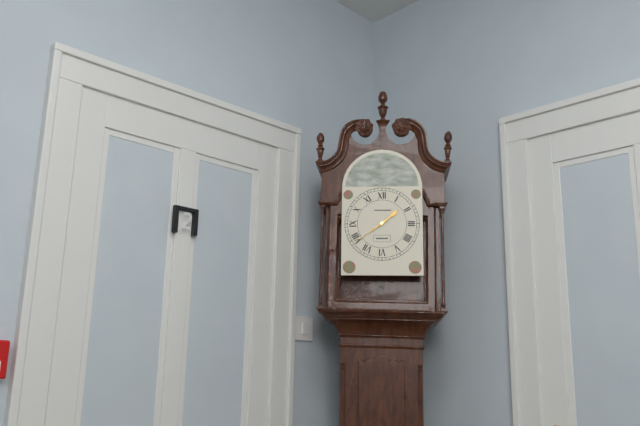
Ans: 1:39
